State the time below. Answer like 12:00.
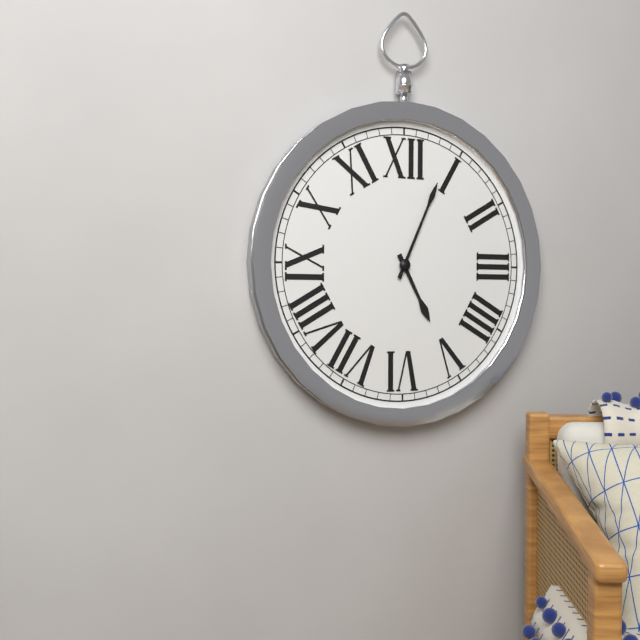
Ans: 5:04
